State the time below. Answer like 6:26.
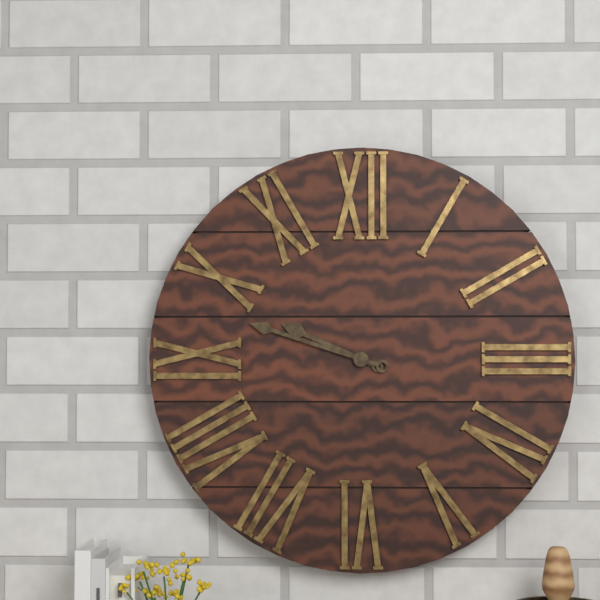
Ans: 9:48
